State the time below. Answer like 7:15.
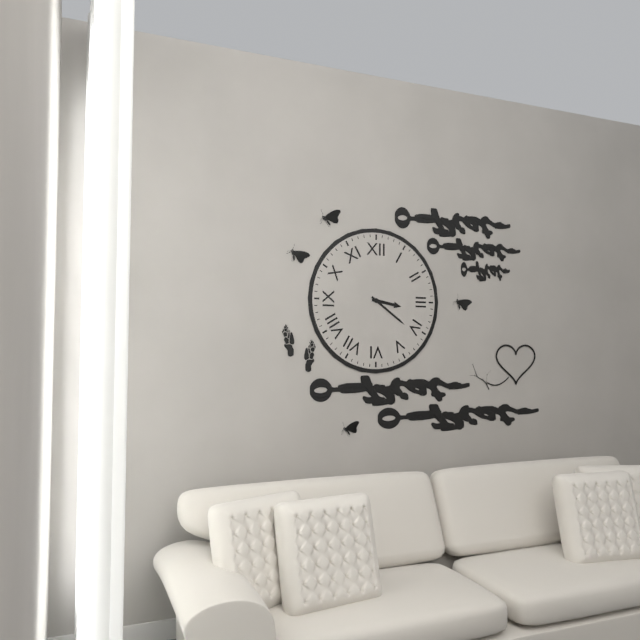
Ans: 3:21
